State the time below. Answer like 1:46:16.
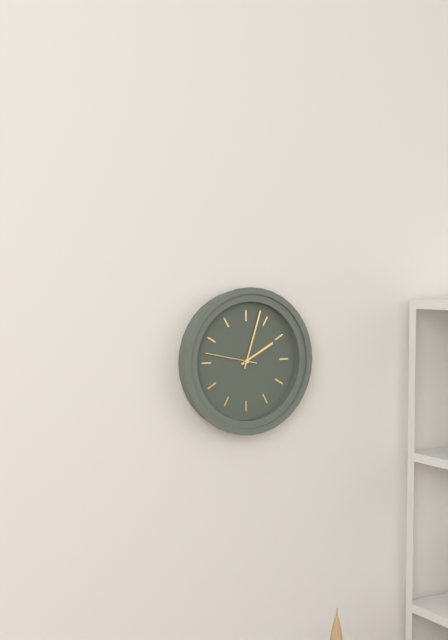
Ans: 2:03:47
